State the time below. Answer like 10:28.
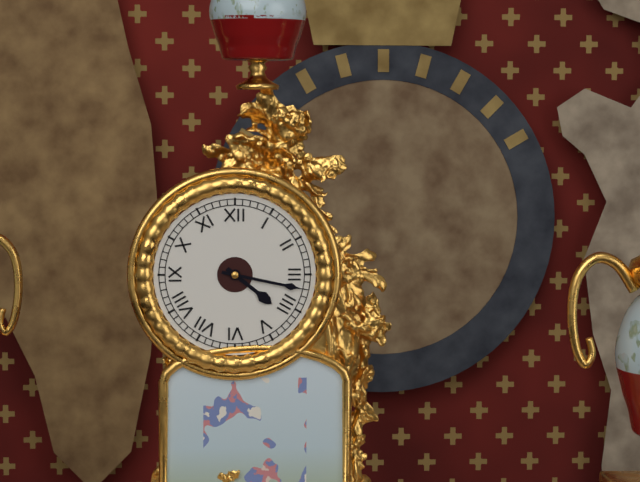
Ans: 4:17
